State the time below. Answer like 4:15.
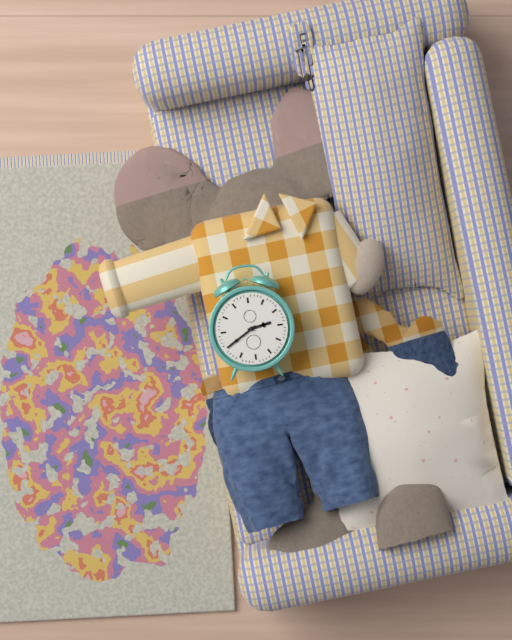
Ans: 2:40
